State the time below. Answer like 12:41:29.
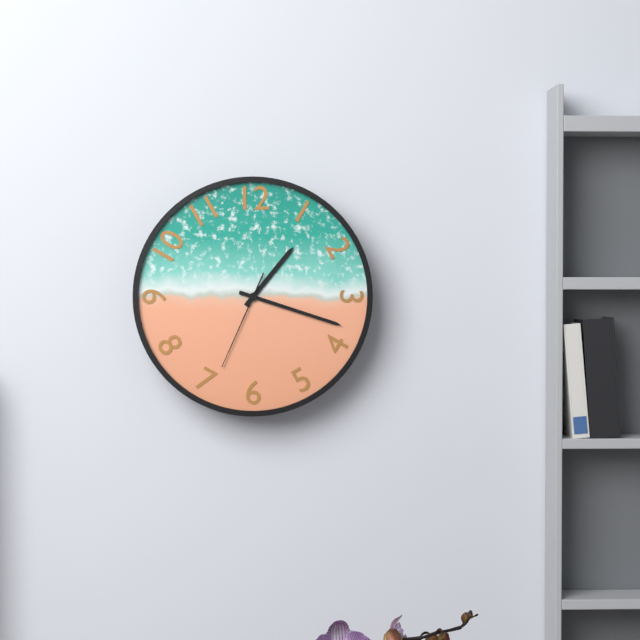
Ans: 1:18:34
